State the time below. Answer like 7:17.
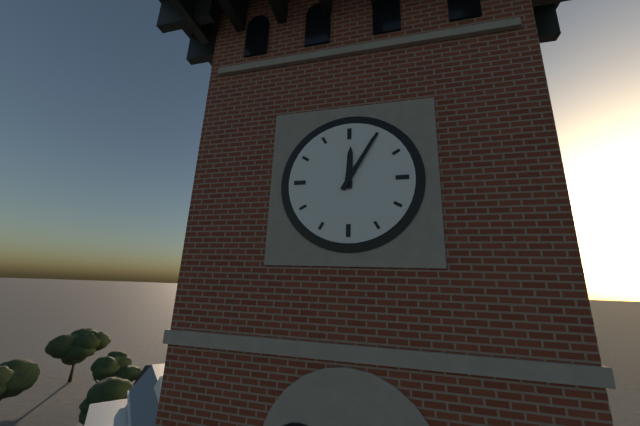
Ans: 12:05
